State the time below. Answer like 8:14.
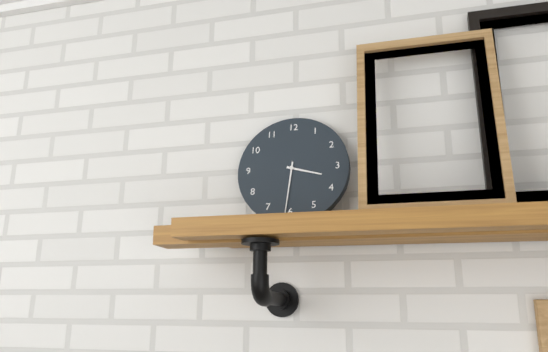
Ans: 3:31
